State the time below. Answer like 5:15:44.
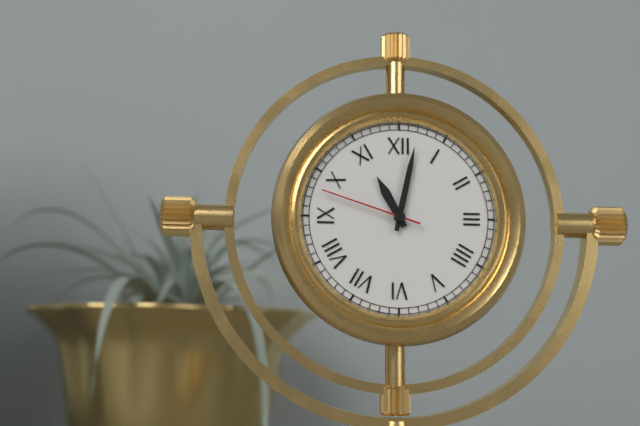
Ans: 11:02:48
